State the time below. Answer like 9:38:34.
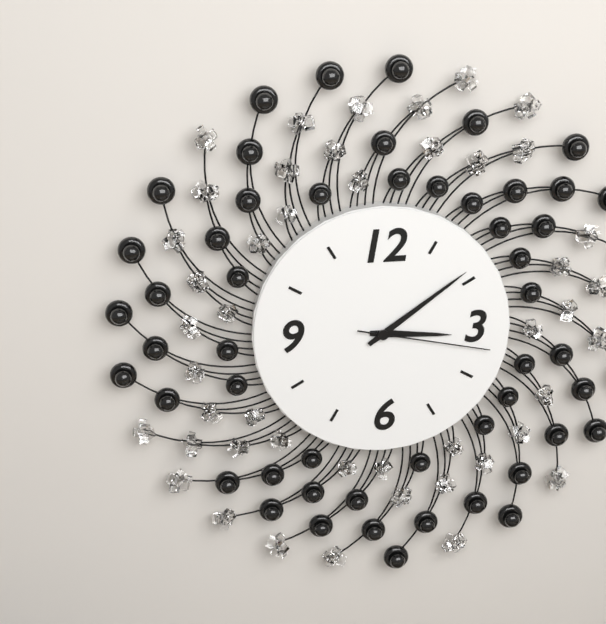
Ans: 3:09:17
